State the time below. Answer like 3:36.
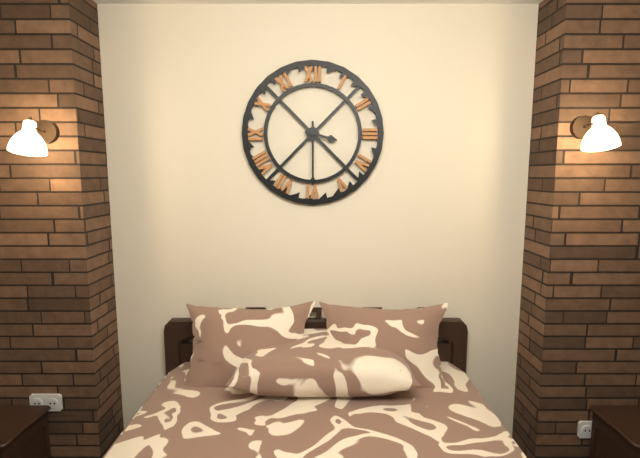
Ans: 3:30
